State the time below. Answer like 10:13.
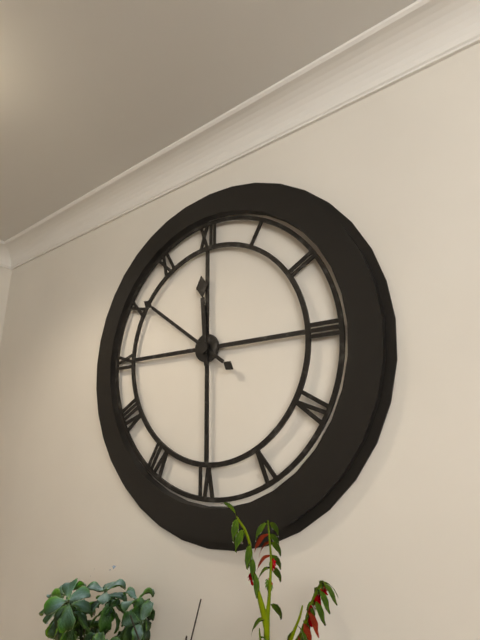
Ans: 11:51
